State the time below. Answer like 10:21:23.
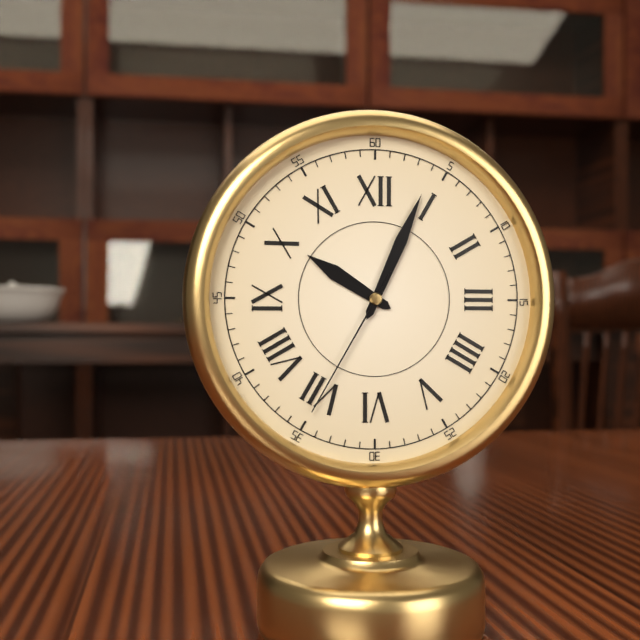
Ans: 10:04:35
